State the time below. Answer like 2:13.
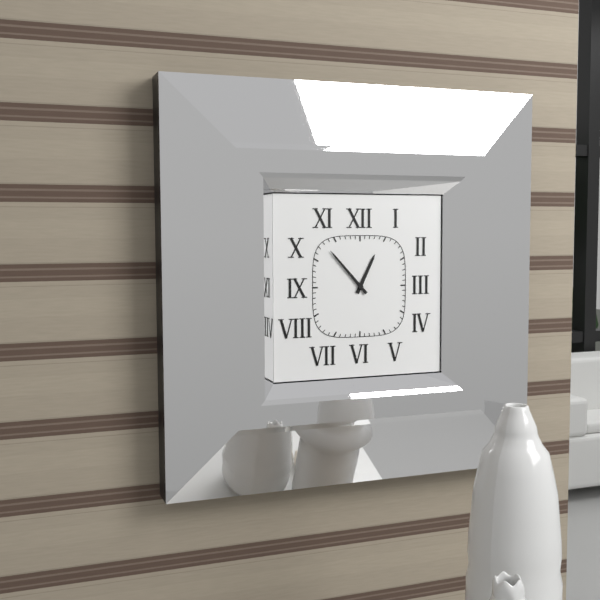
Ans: 12:53
